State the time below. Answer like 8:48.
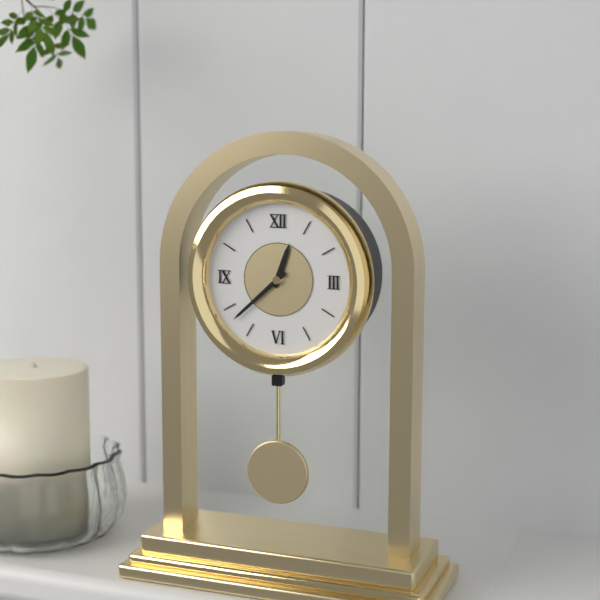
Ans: 12:38
